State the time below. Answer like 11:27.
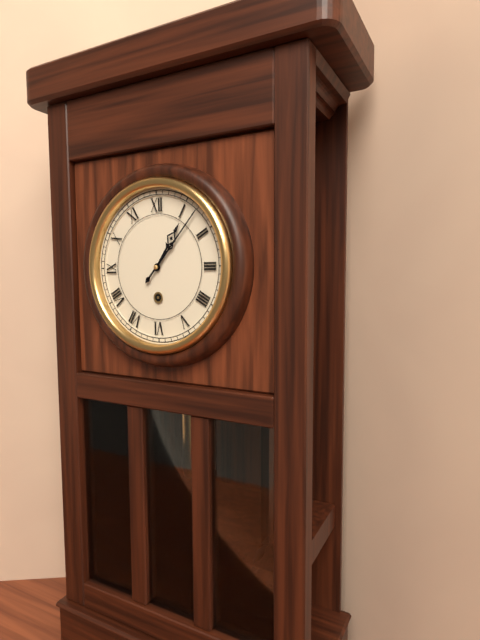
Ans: 1:07
